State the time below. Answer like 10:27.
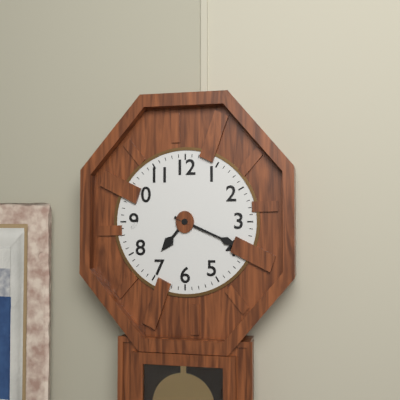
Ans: 7:19
